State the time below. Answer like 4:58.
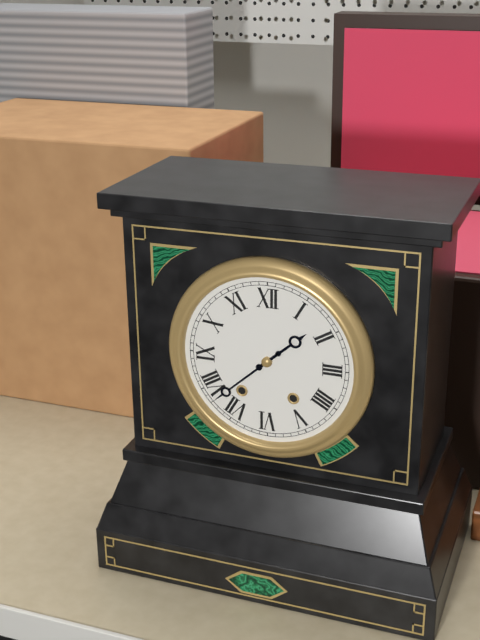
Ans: 1:38
